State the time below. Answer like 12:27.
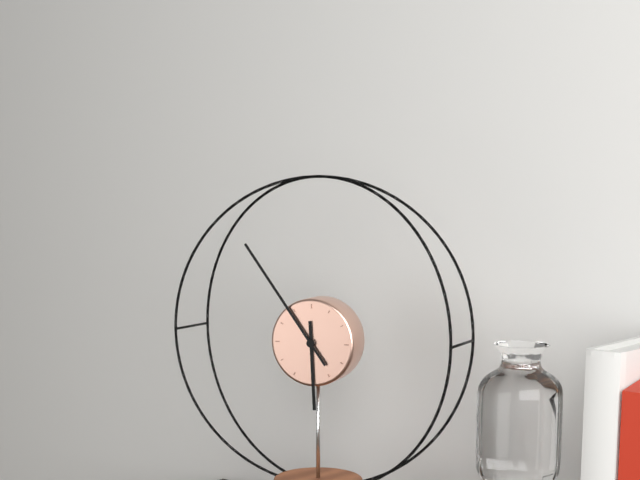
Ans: 5:54
